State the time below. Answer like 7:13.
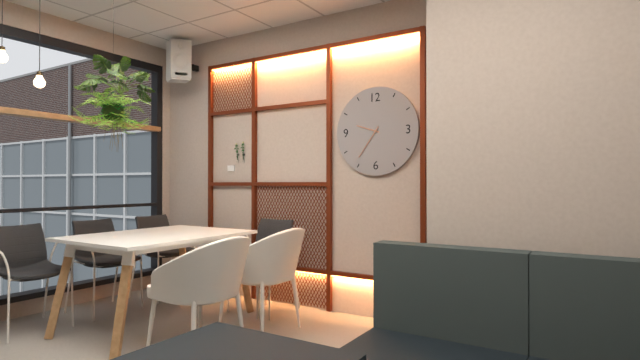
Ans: 9:36
